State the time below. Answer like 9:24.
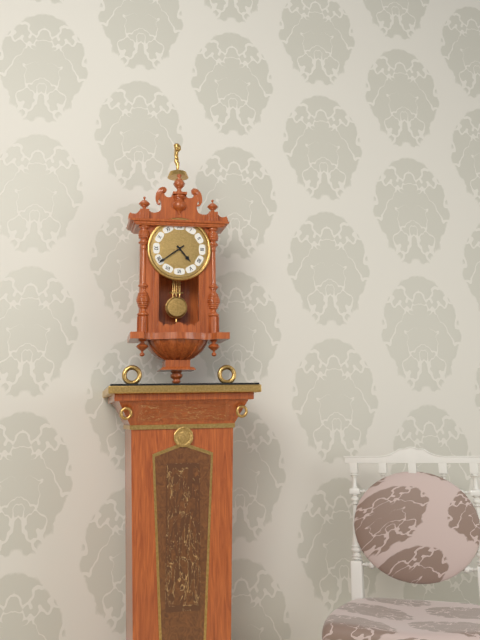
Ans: 4:39
